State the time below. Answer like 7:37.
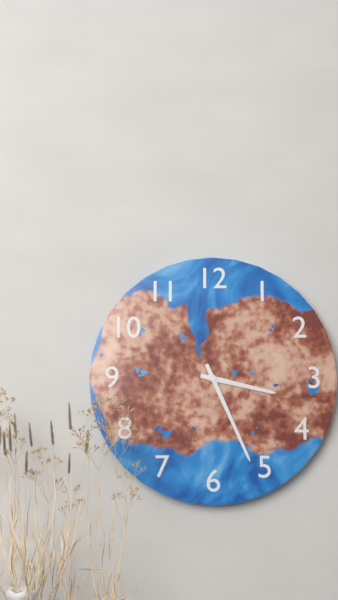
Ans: 3:26
